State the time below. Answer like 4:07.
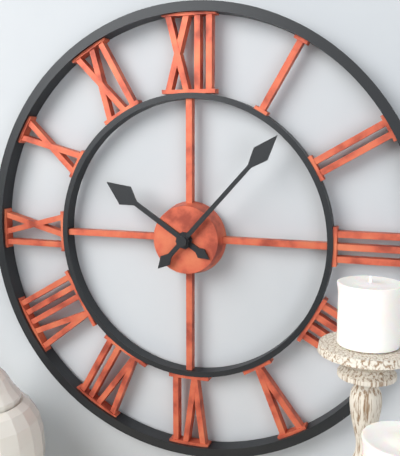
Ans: 10:07
